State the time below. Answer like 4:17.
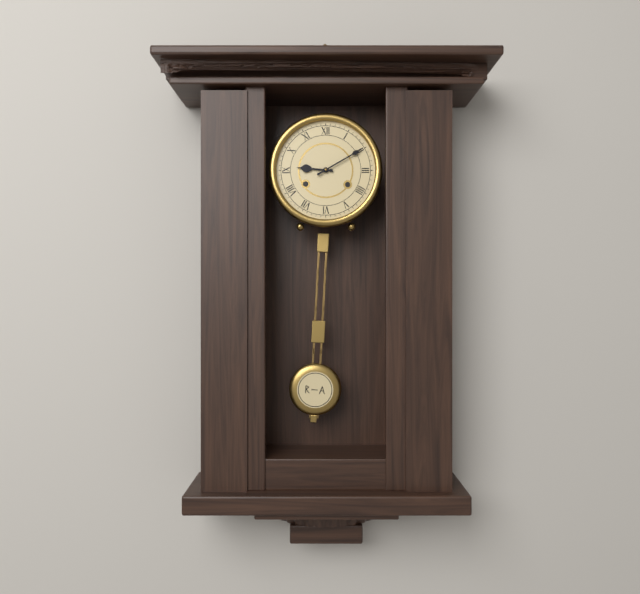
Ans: 9:10
